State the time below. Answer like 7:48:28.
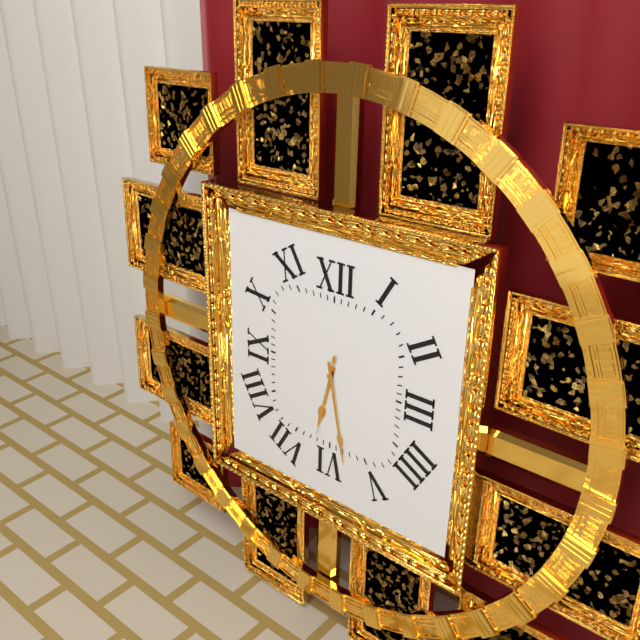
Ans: 6:28:32
